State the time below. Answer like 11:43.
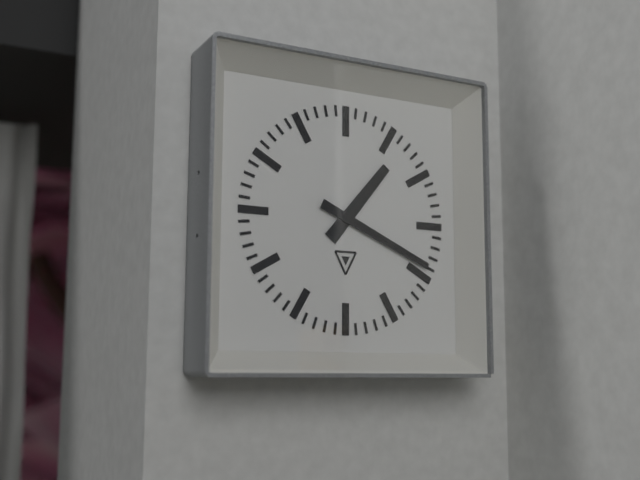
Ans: 1:19
